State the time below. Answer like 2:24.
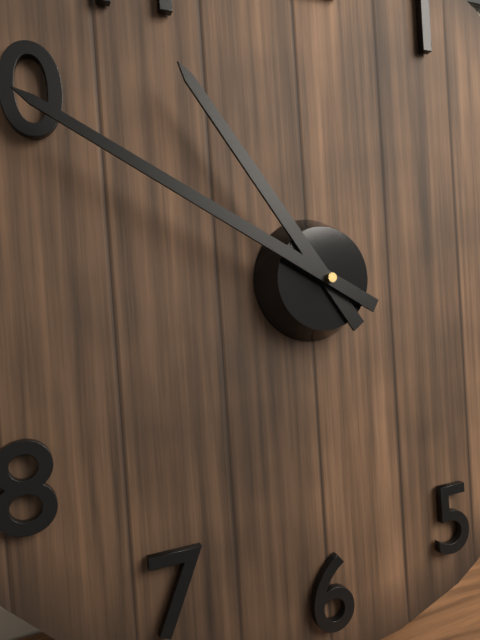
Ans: 10:50
